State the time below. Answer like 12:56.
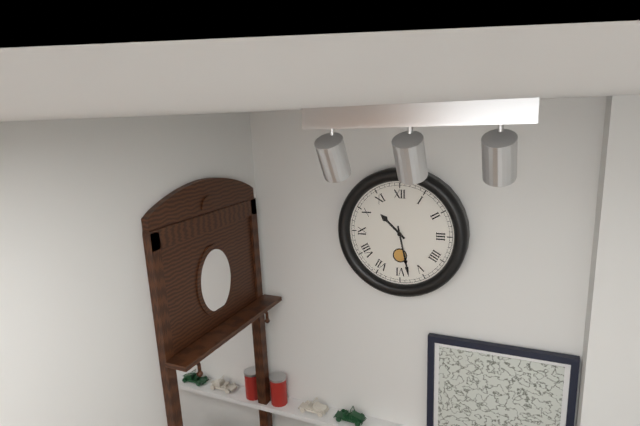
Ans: 10:28
